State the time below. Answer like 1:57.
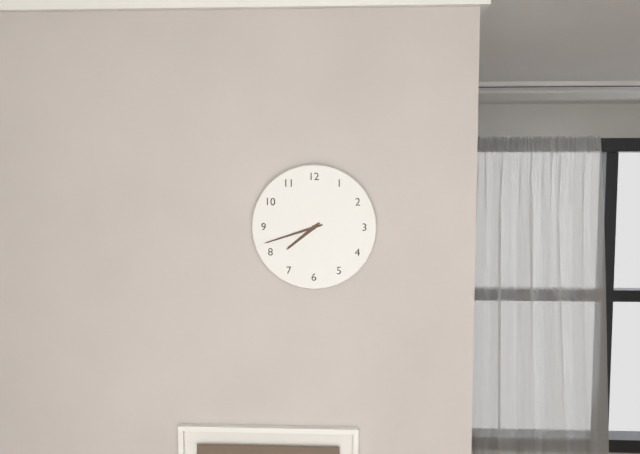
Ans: 7:42
